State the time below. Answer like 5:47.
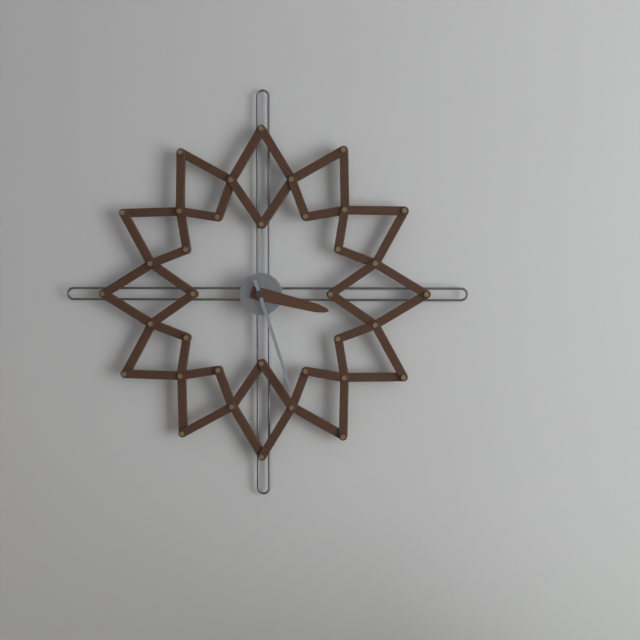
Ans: 3:27
